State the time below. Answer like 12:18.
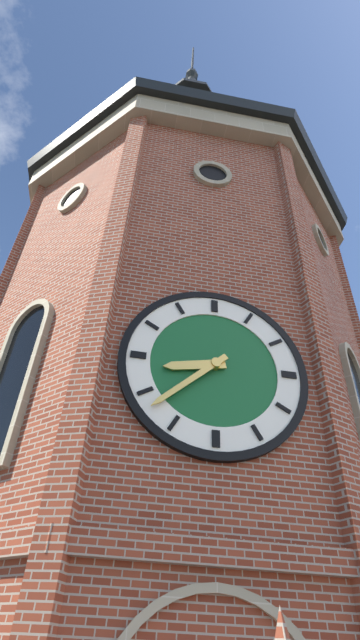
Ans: 8:38
